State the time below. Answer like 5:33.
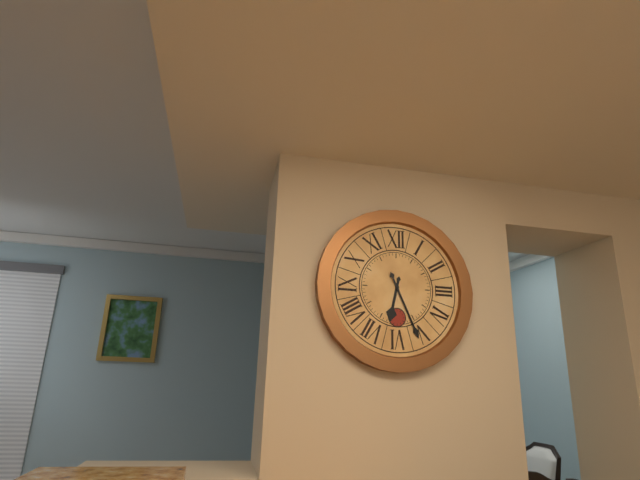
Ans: 6:26
